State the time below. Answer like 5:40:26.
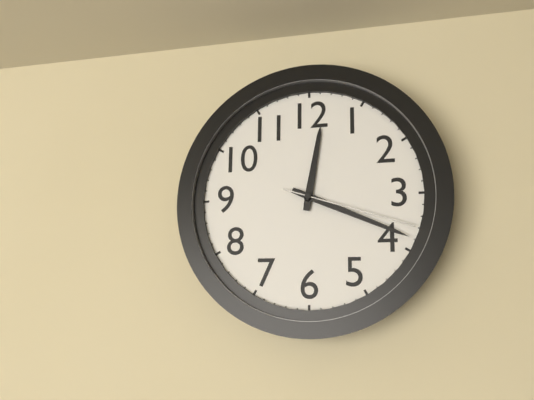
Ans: 12:19:18
